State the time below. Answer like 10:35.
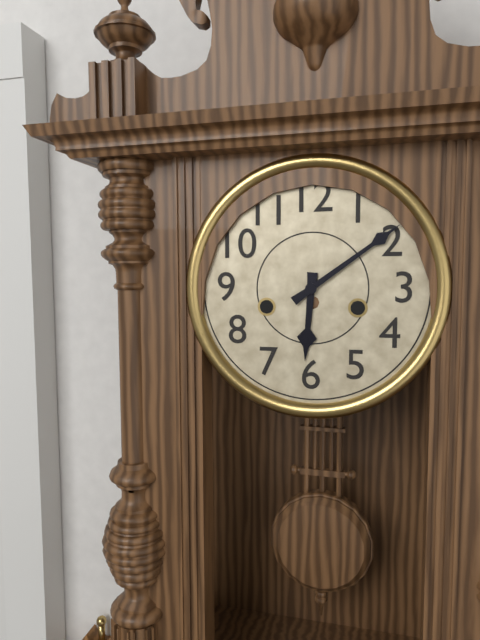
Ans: 6:09
